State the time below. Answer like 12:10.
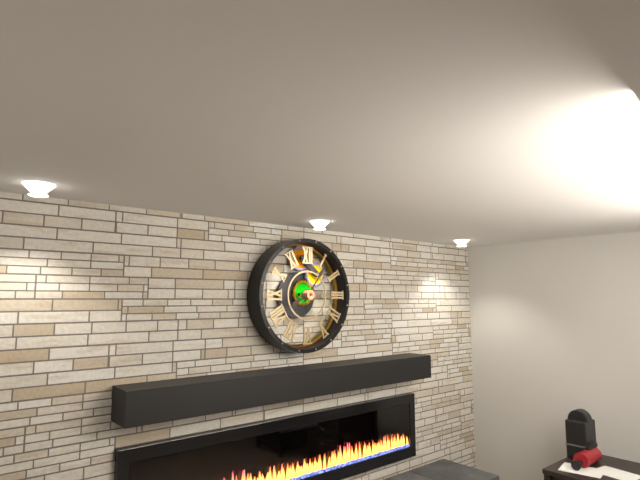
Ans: 8:06
